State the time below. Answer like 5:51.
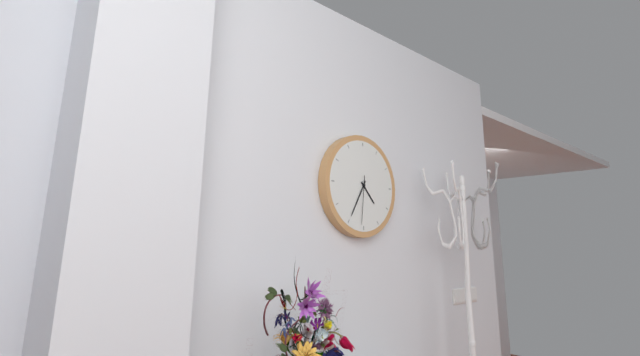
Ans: 4:35
